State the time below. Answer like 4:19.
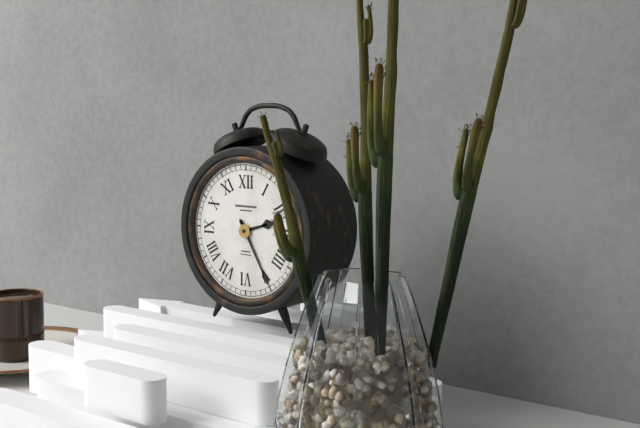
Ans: 2:25
